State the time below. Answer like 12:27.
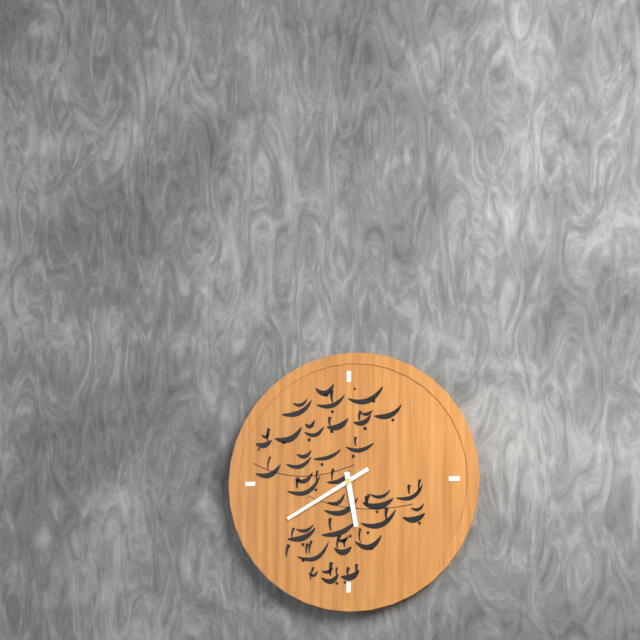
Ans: 5:40
